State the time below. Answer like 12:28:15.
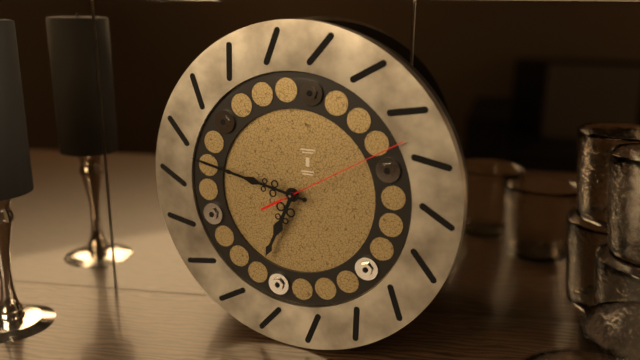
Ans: 6:47:10
